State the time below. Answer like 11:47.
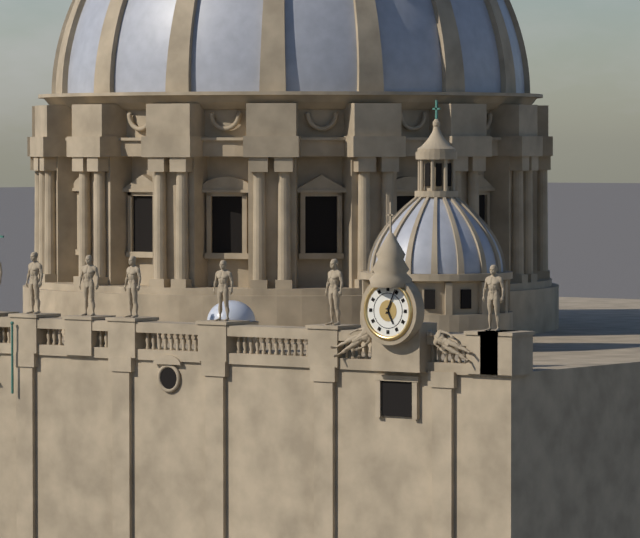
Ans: 5:04
